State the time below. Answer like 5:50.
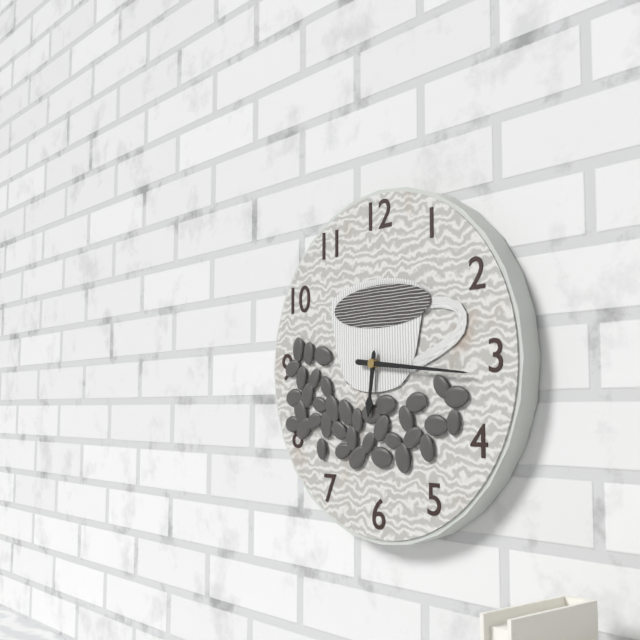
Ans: 6:16
